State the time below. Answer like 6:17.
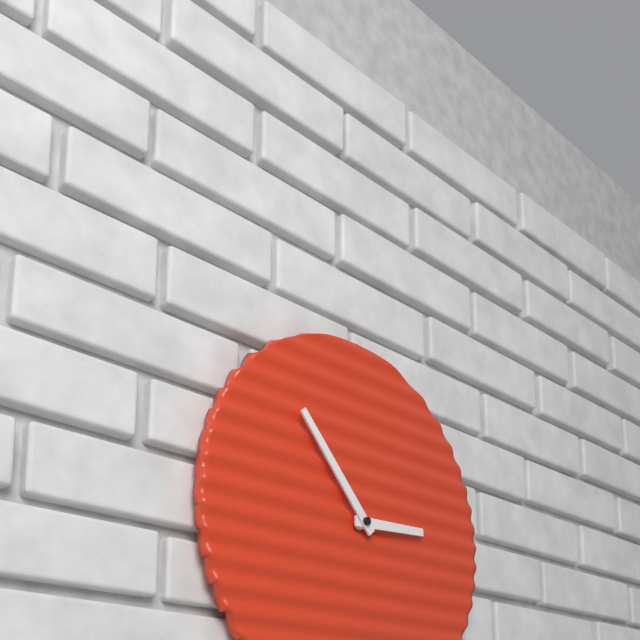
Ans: 2:53
